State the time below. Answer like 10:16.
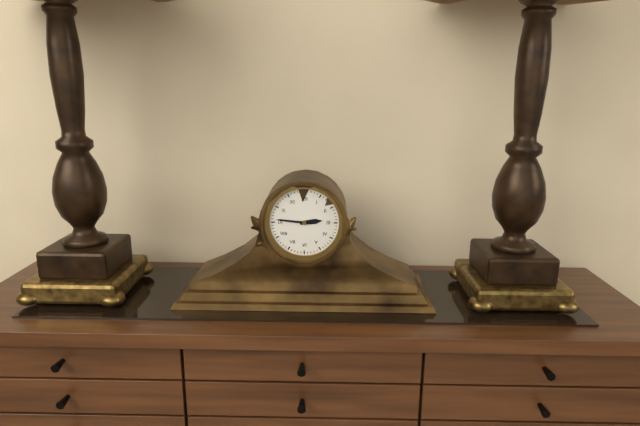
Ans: 2:46
